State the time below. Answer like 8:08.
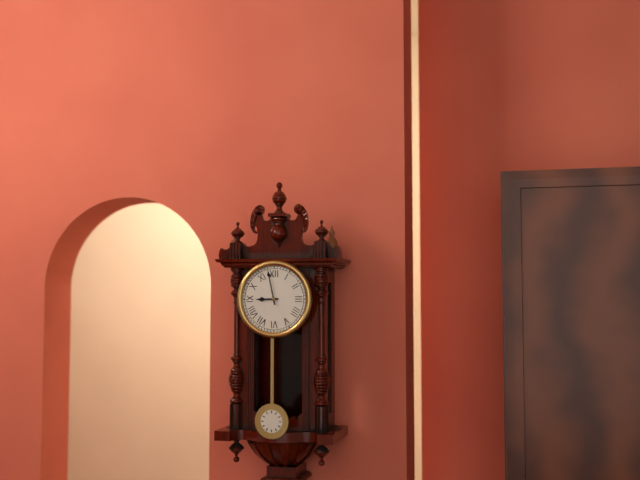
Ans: 8:58
